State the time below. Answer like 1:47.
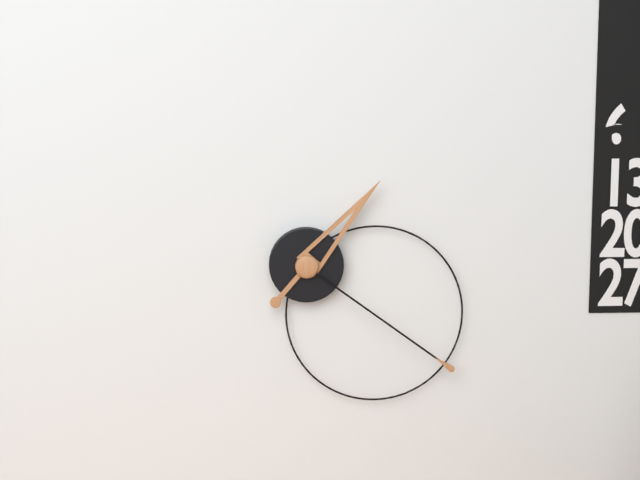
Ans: 1:21
